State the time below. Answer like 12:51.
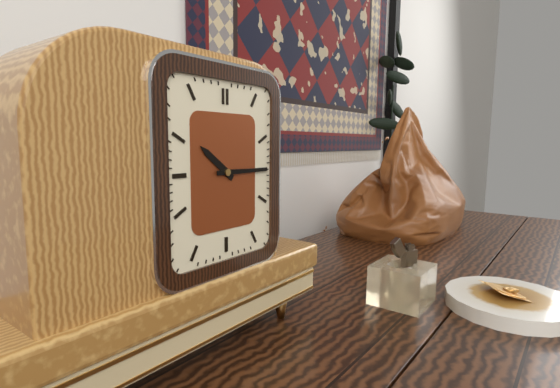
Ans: 10:15
